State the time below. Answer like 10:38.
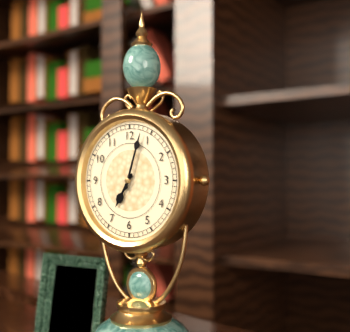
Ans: 7:03
